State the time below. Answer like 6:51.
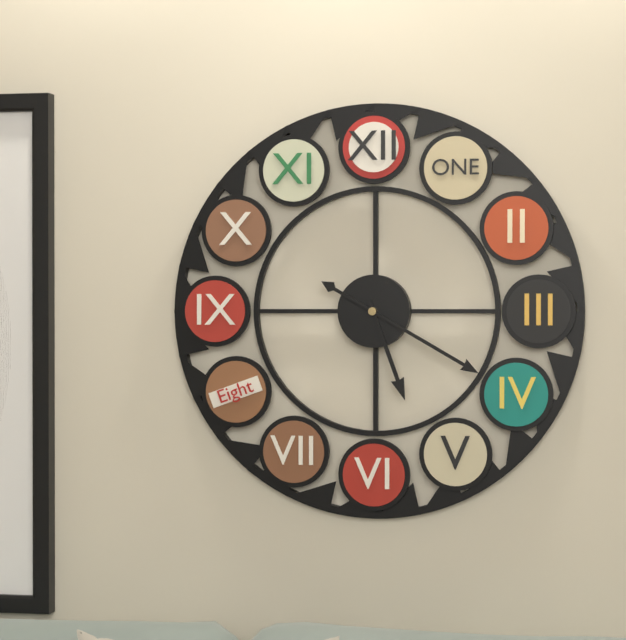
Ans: 5:20
